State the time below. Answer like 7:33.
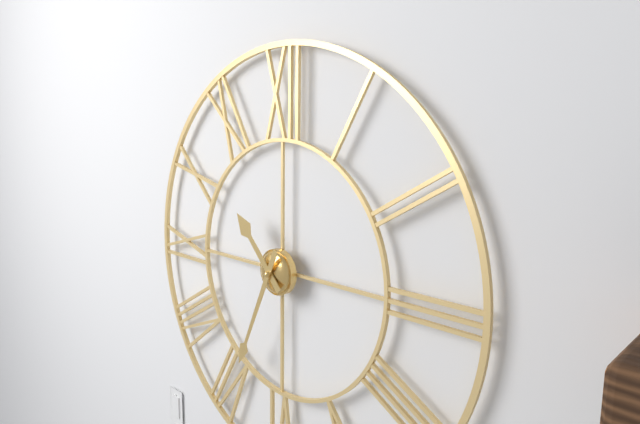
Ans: 10:34
